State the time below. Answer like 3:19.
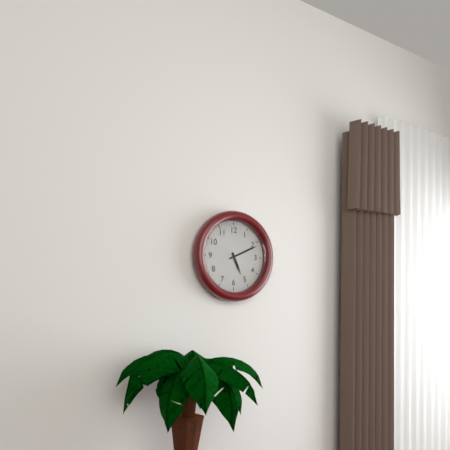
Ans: 5:11
